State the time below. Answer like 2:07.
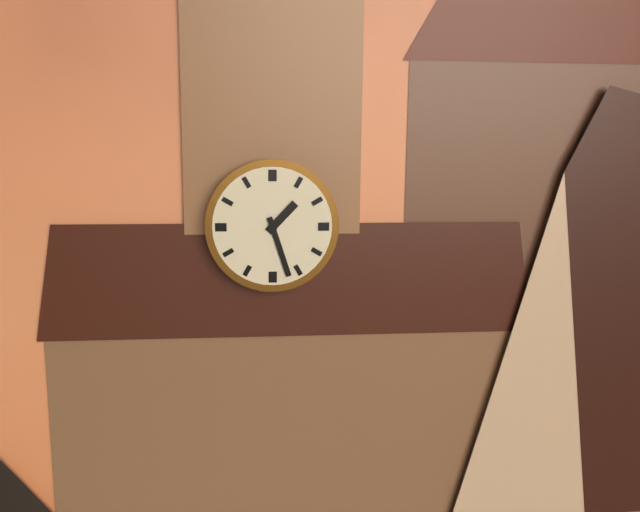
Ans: 1:27
